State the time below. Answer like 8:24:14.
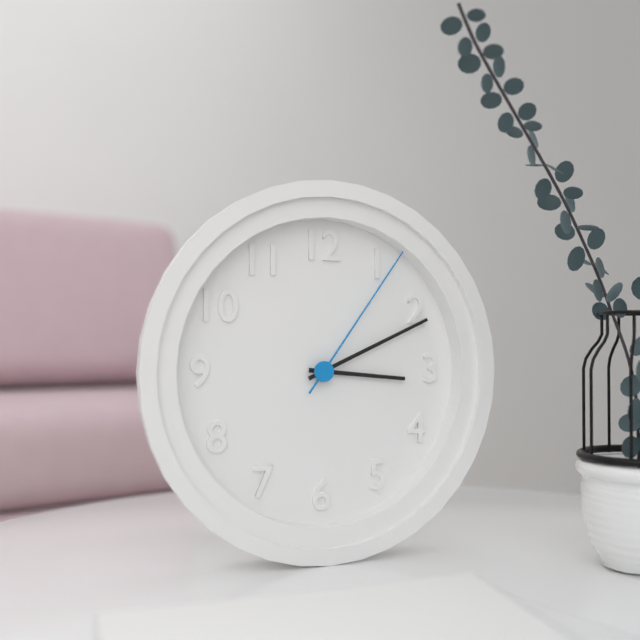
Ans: 3:11:06
